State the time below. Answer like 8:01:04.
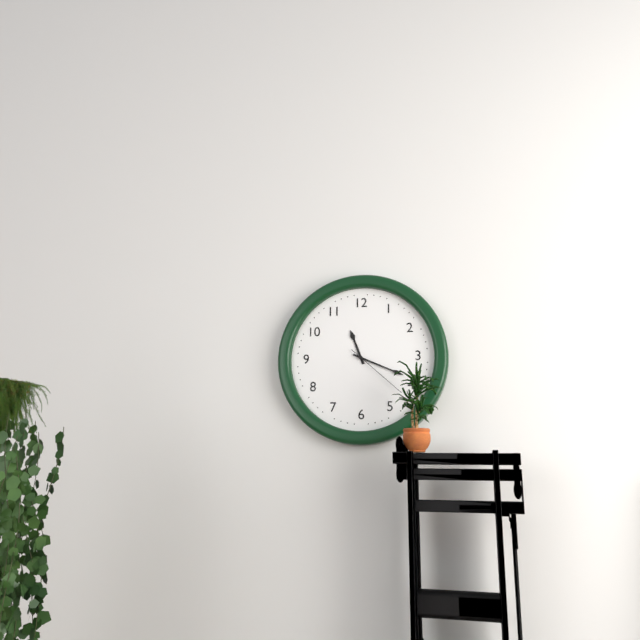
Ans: 11:19:22
